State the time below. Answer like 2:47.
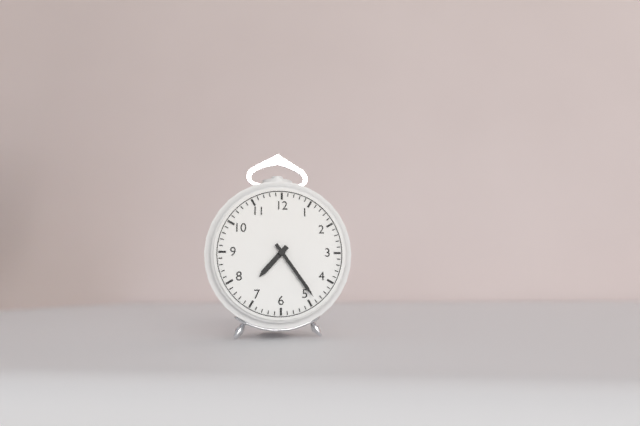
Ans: 7:24
